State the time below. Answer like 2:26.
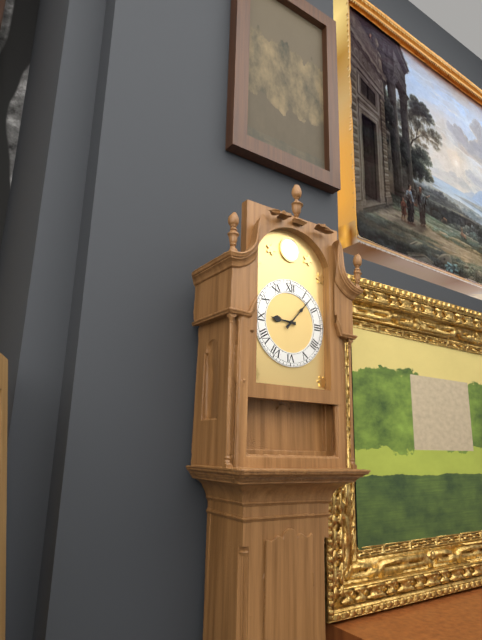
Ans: 9:07
